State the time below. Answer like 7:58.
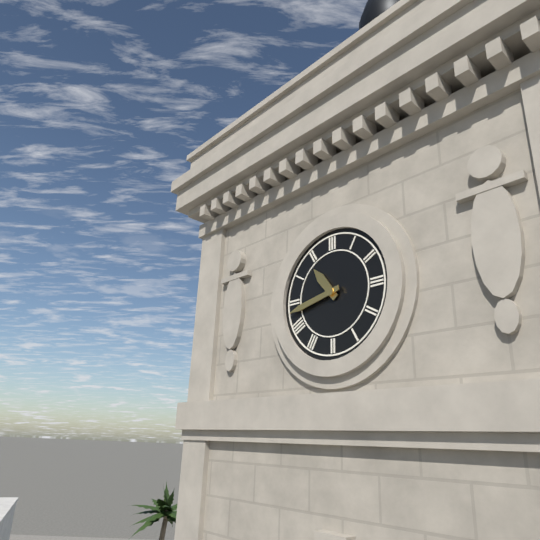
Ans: 10:43
